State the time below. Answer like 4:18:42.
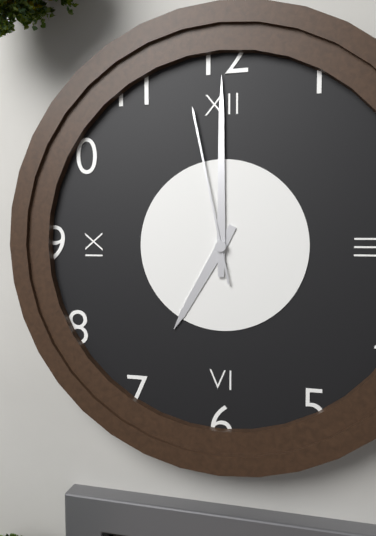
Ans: 7:00:58
